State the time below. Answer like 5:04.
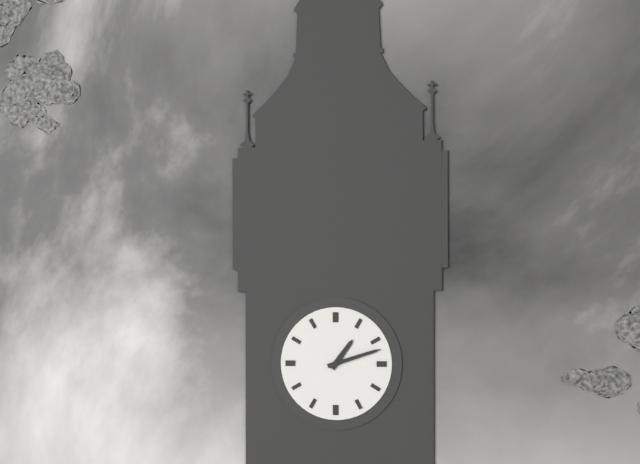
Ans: 1:12
